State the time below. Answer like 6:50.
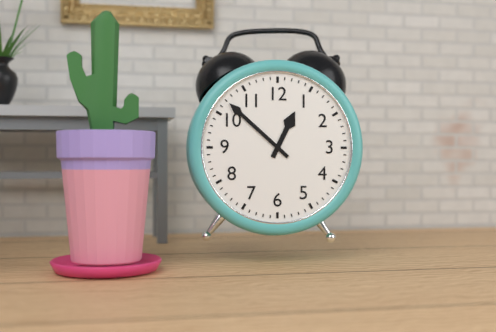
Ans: 12:52
